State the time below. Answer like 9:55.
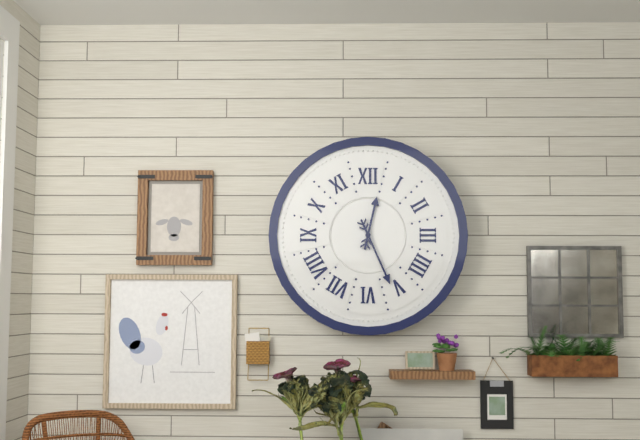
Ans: 12:26
